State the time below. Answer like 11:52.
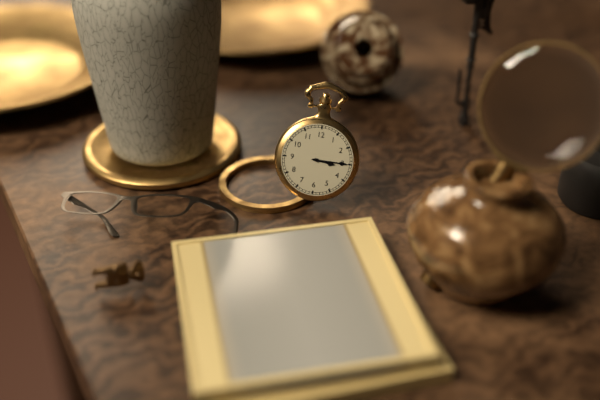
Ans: 3:15
